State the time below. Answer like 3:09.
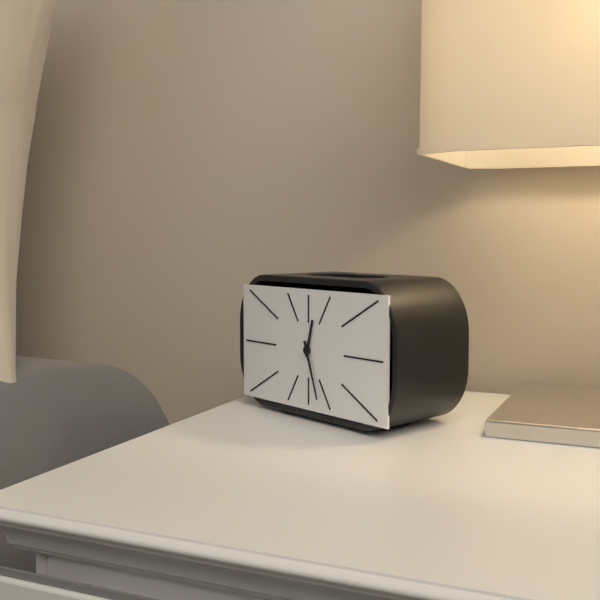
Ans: 12:27
